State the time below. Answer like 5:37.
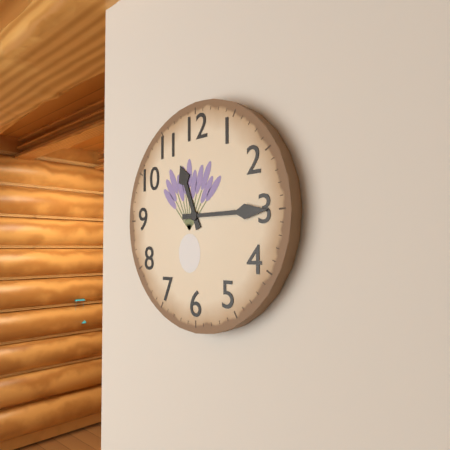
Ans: 11:15
